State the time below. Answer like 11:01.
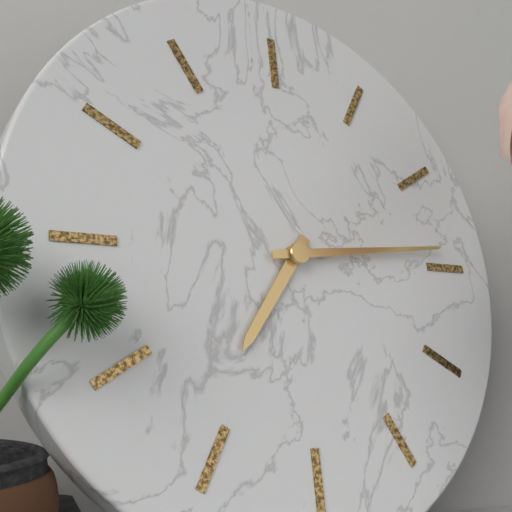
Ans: 7:14
